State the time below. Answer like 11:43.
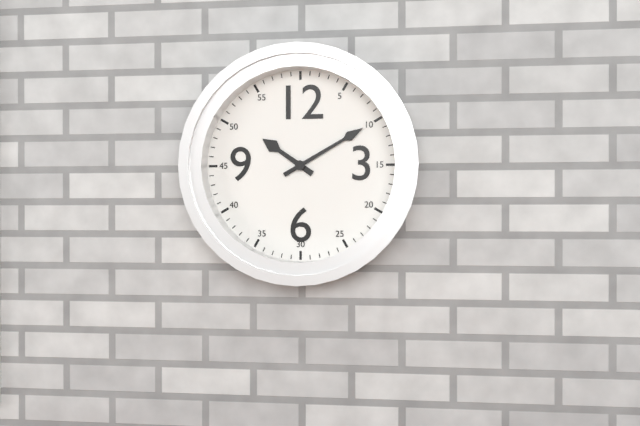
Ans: 10:10
